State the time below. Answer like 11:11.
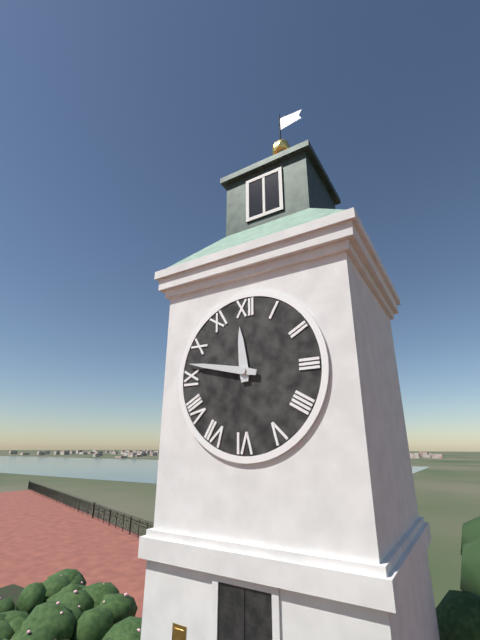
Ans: 11:47
